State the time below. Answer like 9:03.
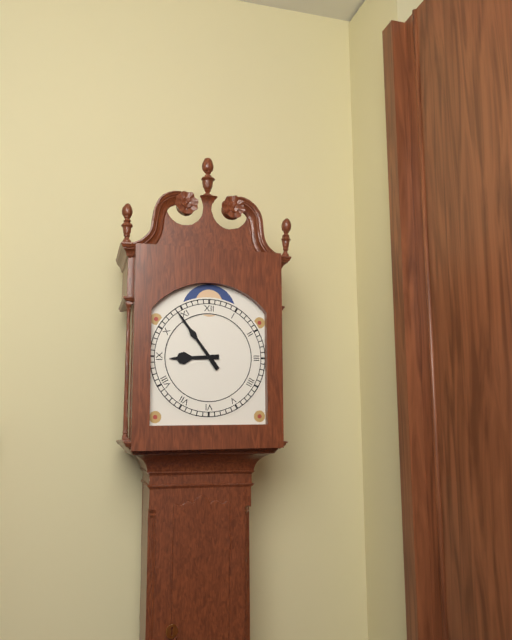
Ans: 8:54
